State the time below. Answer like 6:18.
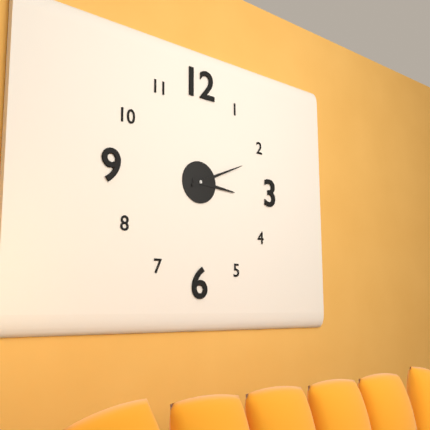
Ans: 3:11
